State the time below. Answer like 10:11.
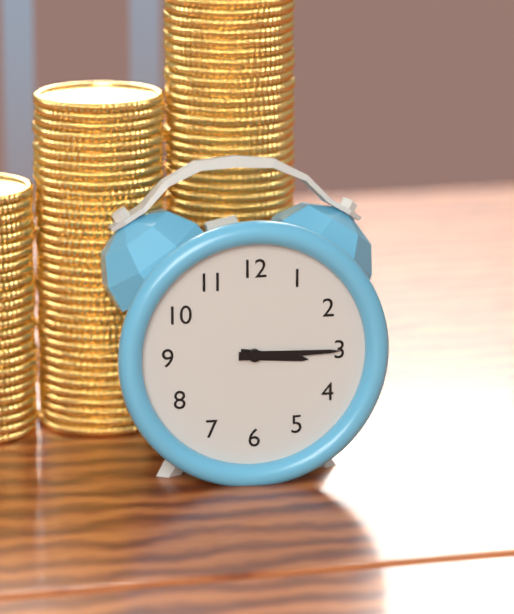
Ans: 3:15
